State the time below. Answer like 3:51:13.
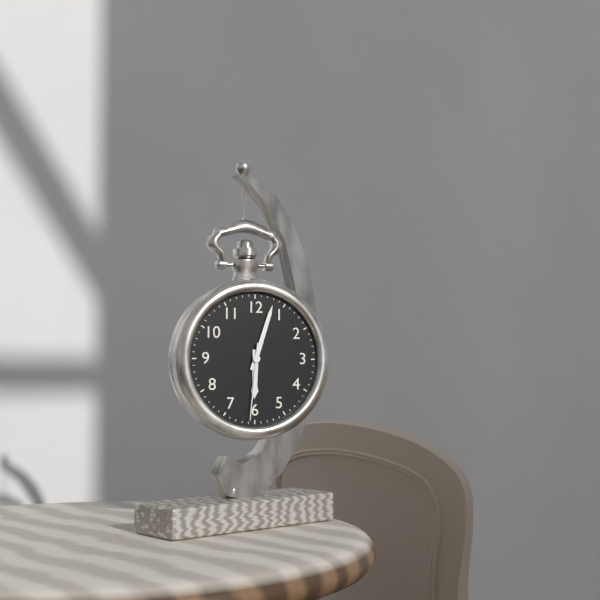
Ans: 6:03:31
